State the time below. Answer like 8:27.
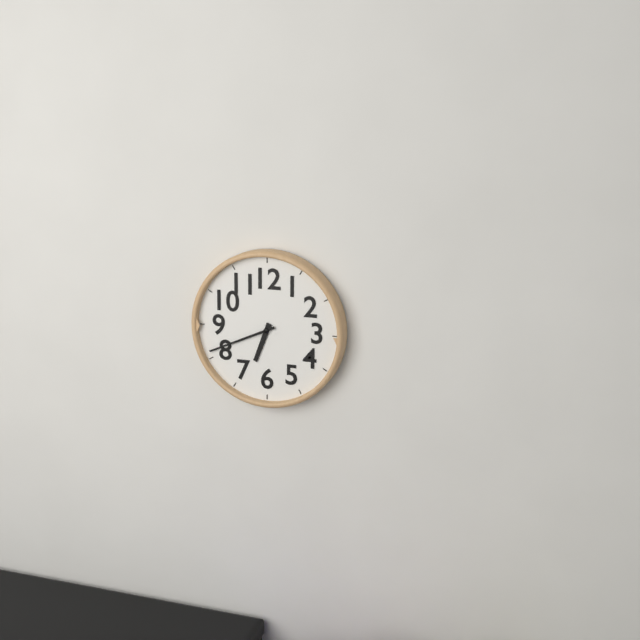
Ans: 6:41
